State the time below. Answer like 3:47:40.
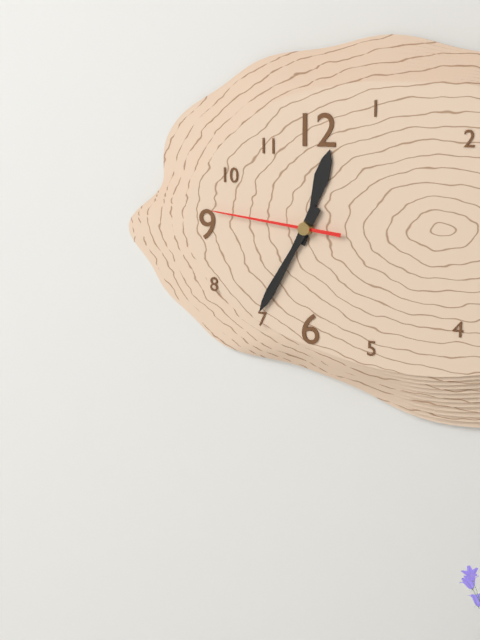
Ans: 12:35:46
